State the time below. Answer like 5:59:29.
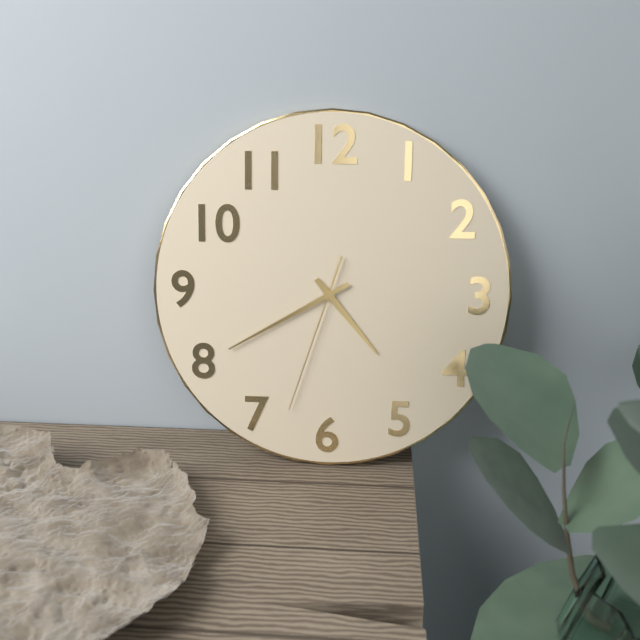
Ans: 4:40:33
